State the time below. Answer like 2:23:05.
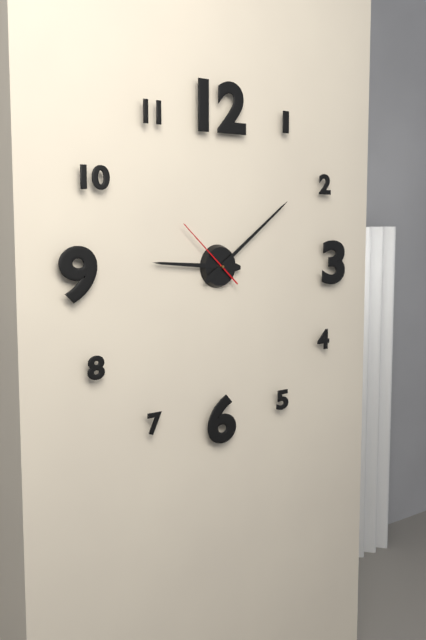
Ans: 9:09:52
